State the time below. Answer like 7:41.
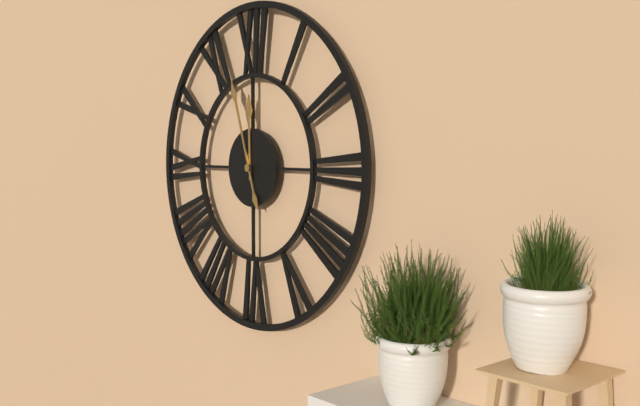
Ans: 11:57
